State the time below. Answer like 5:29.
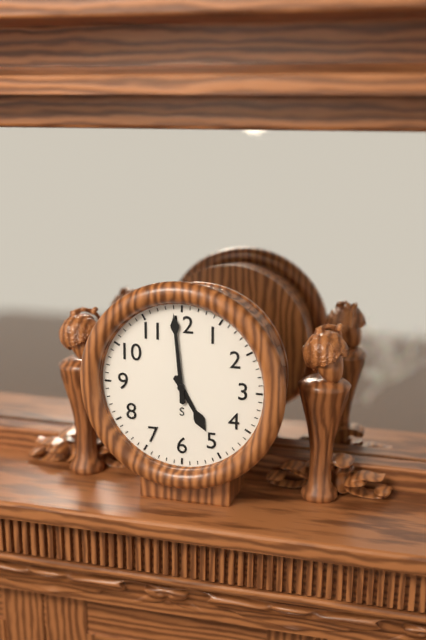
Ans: 4:59
